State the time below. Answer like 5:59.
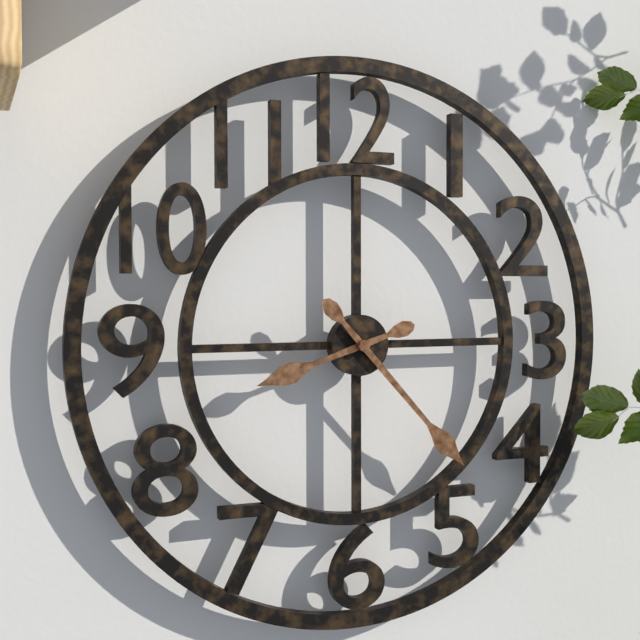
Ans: 8:23
